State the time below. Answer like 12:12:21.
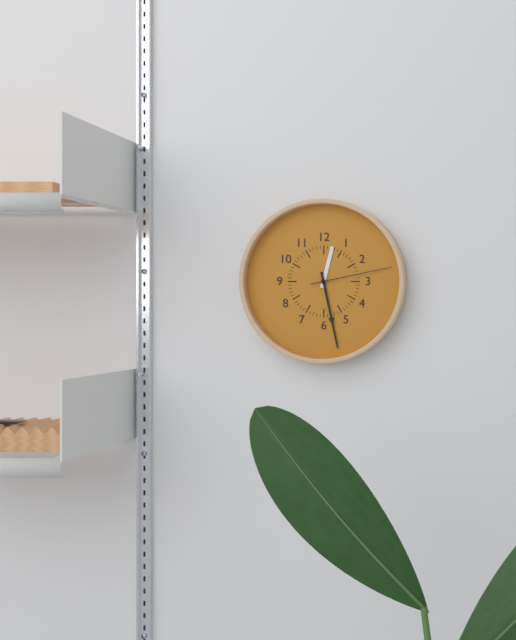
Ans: 12:28:13
